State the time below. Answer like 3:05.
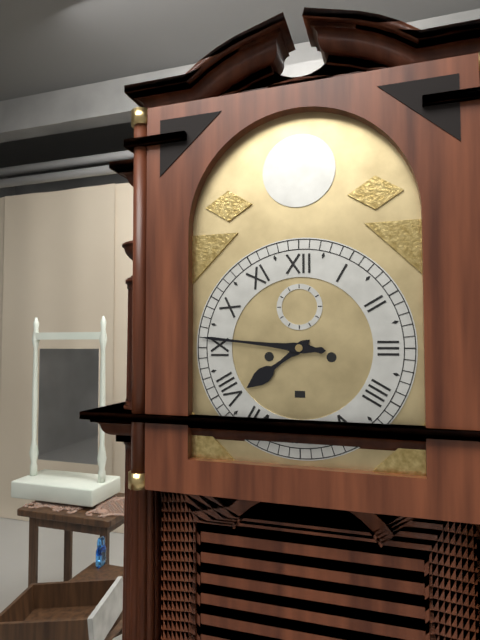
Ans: 7:46
